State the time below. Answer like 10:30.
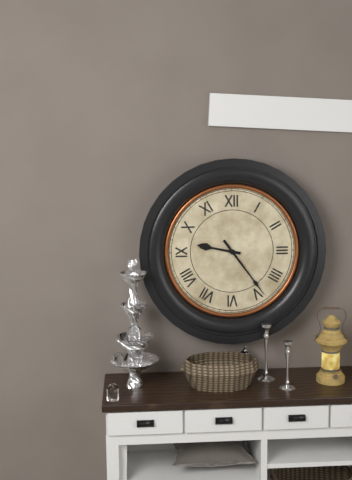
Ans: 9:24
